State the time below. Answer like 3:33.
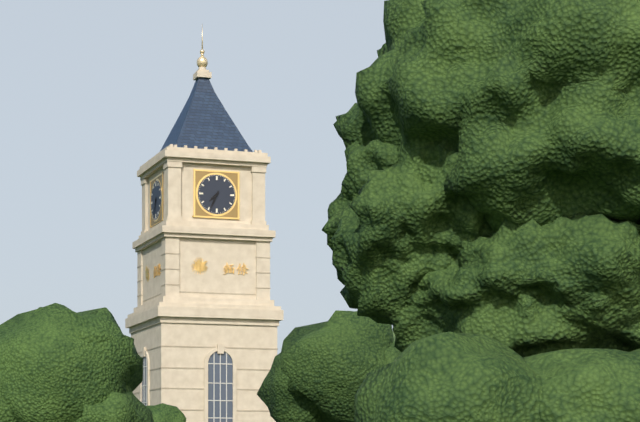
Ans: 7:34
